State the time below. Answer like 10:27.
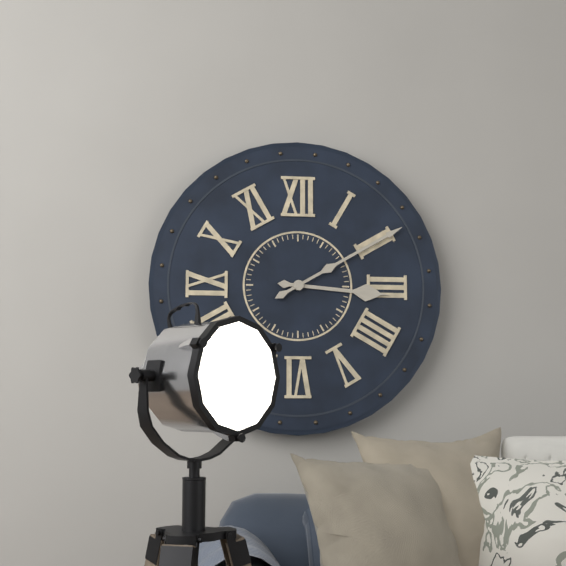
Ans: 3:10
